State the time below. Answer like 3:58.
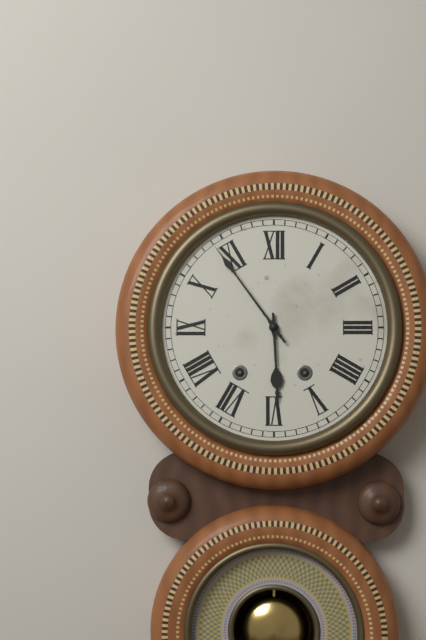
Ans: 5:54
